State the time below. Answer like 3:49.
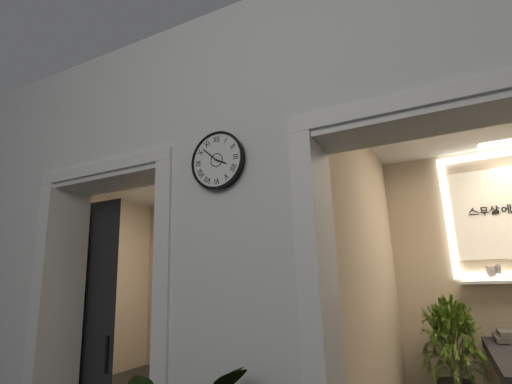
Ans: 3:52
